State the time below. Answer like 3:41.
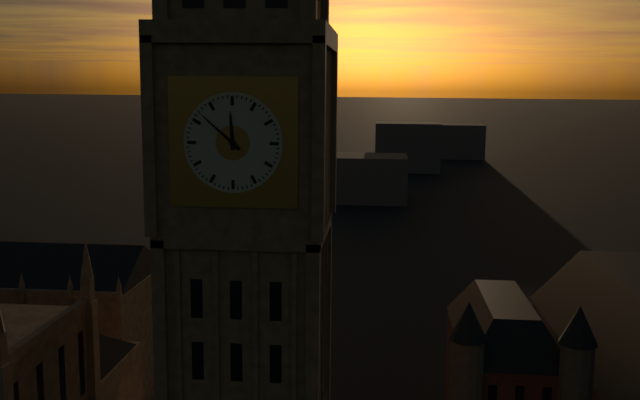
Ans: 11:52
